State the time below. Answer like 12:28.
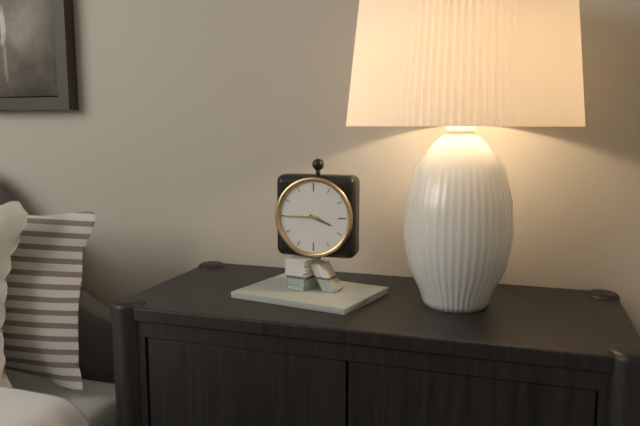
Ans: 3:45
